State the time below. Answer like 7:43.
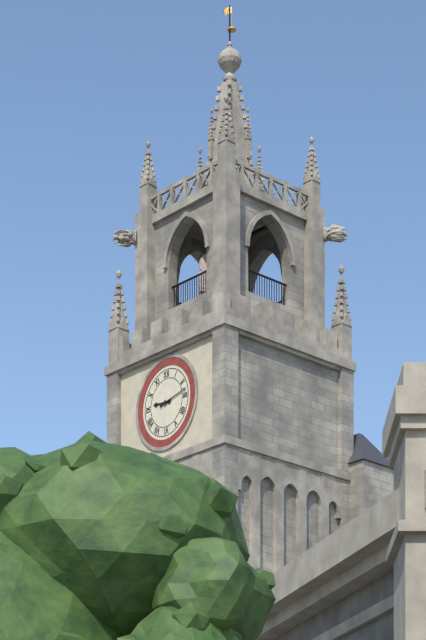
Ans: 9:13
